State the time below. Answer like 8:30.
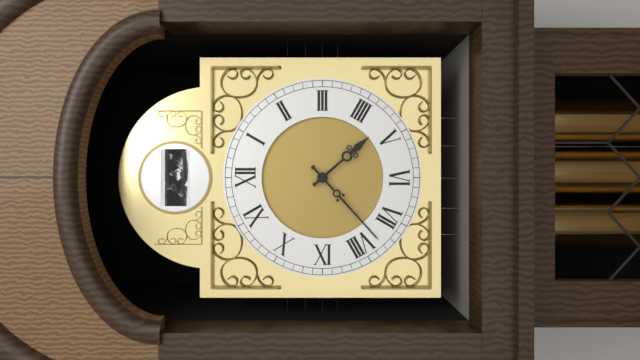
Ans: 4:38
